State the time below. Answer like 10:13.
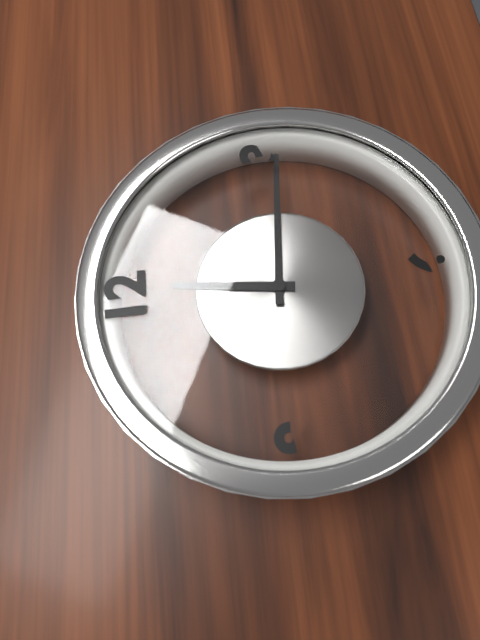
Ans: 12:16
